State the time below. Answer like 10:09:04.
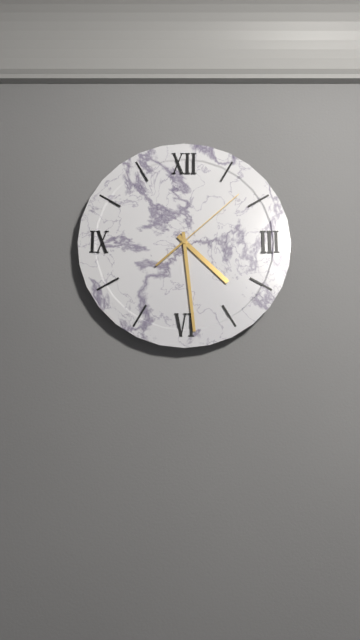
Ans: 4:29:08
